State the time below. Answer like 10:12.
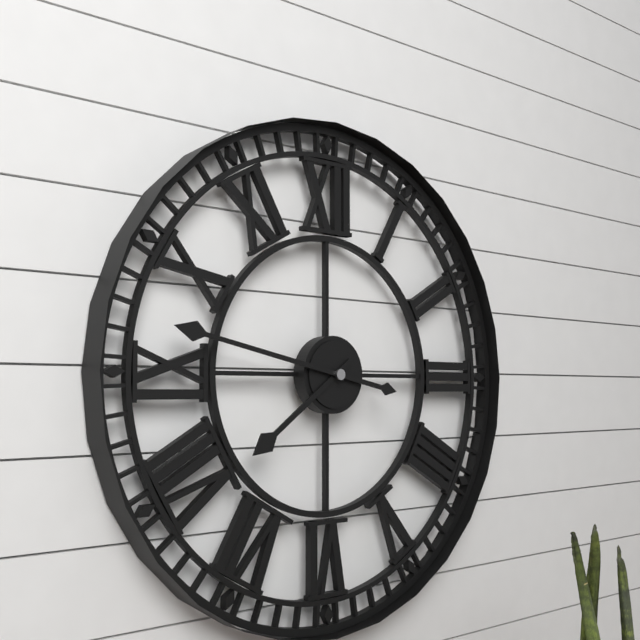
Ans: 7:47
